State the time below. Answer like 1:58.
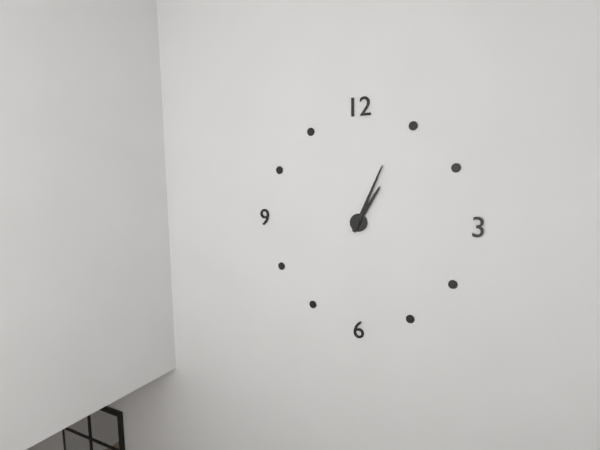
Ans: 1:04
